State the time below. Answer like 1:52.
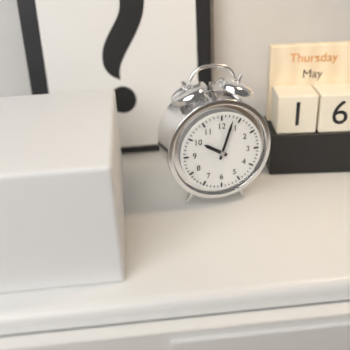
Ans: 10:03
